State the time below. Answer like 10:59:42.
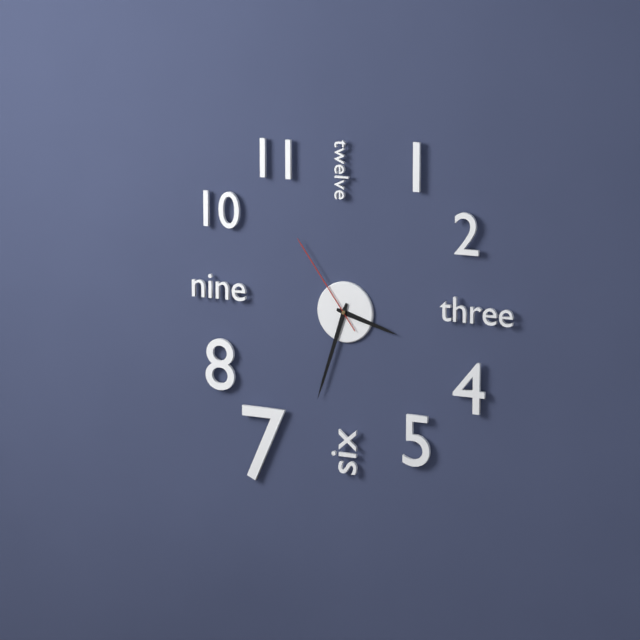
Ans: 3:33:54
